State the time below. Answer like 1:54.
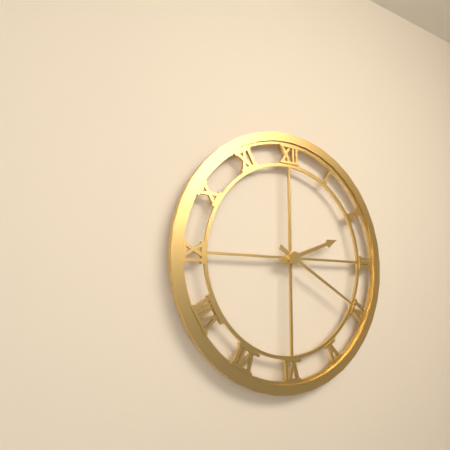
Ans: 2:20
